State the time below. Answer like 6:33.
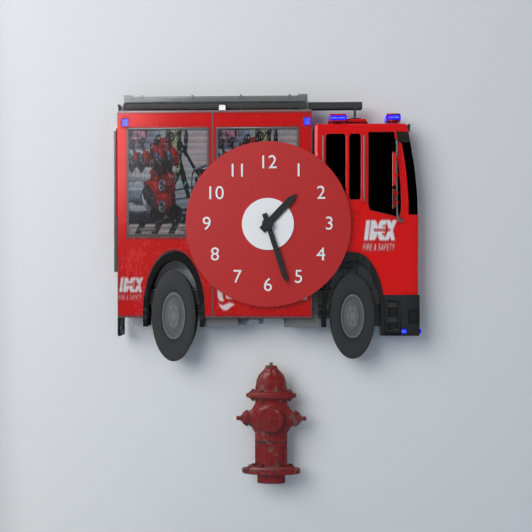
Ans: 1:27
